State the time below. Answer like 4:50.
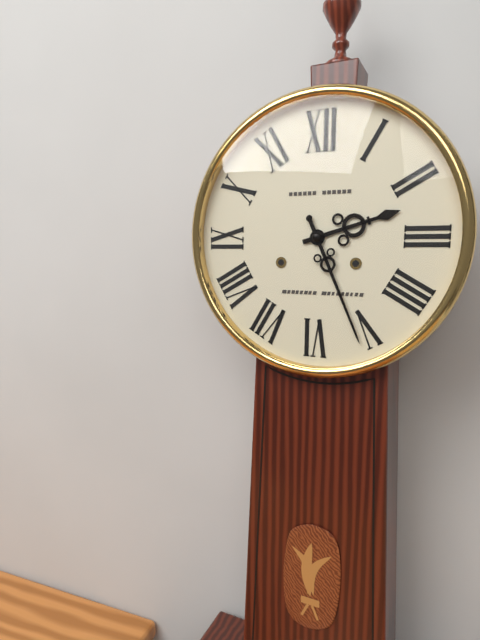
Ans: 2:26
